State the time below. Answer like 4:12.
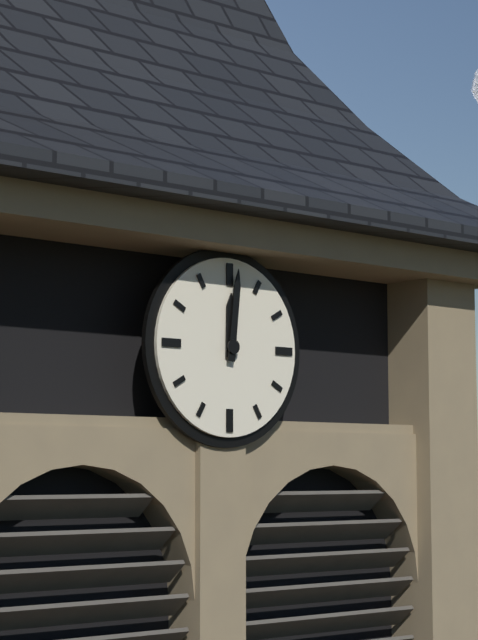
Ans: 12:01
